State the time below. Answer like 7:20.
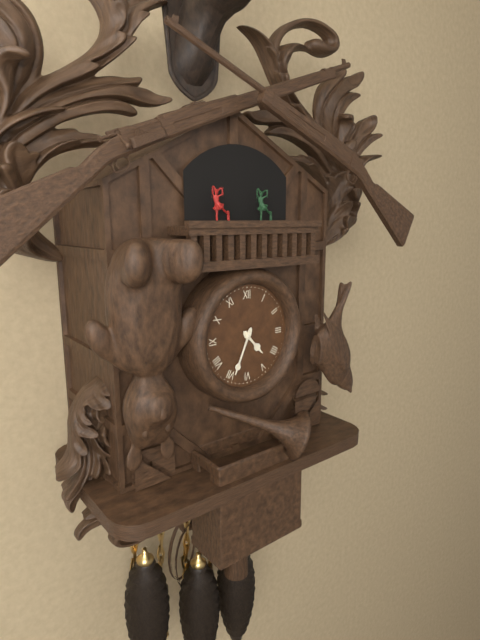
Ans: 4:34
